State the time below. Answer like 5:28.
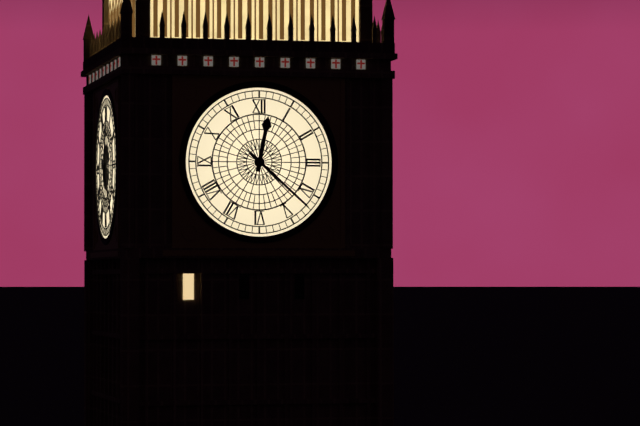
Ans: 12:22
